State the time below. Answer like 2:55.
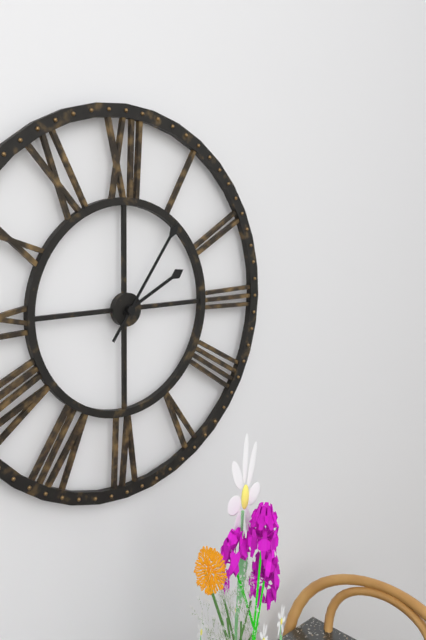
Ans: 2:06
